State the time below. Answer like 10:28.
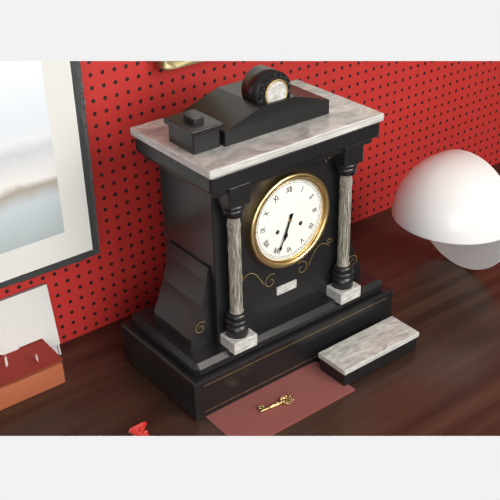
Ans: 6:34
